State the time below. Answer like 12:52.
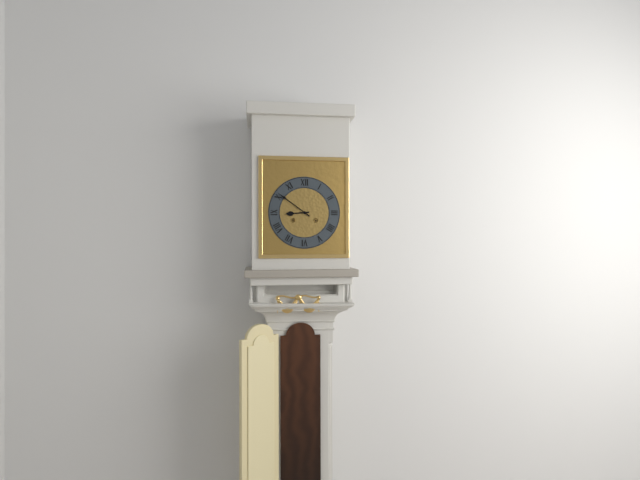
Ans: 8:51
